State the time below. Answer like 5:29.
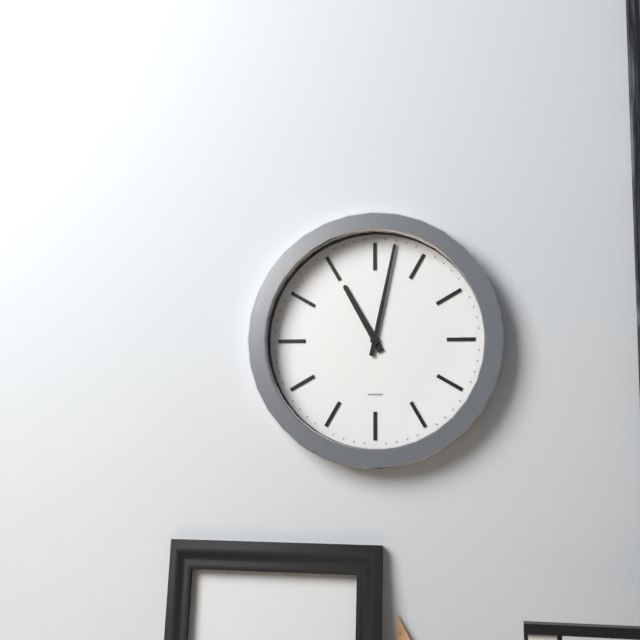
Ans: 11:02
